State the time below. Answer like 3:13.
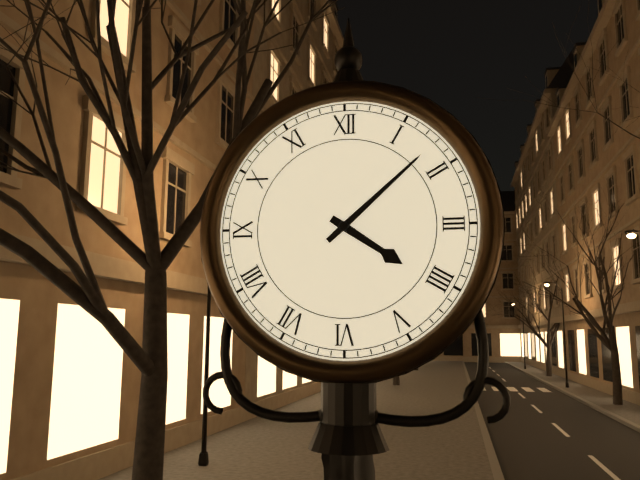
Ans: 4:08
